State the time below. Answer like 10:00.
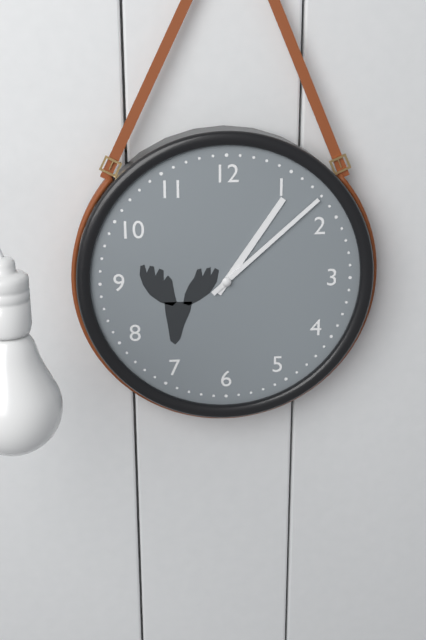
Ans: 1:08
